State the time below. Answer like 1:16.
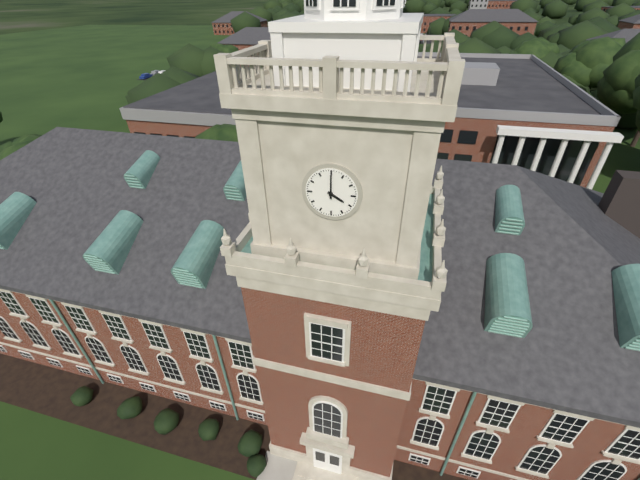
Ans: 4:00
